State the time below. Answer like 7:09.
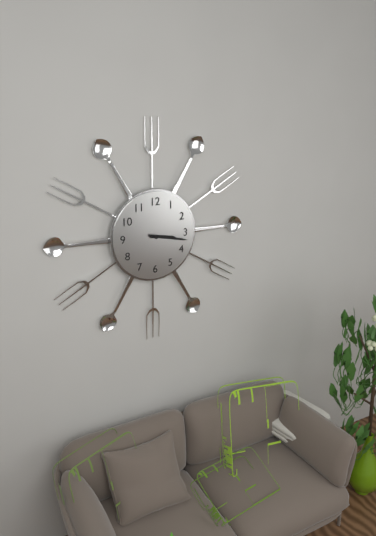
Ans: 3:17
